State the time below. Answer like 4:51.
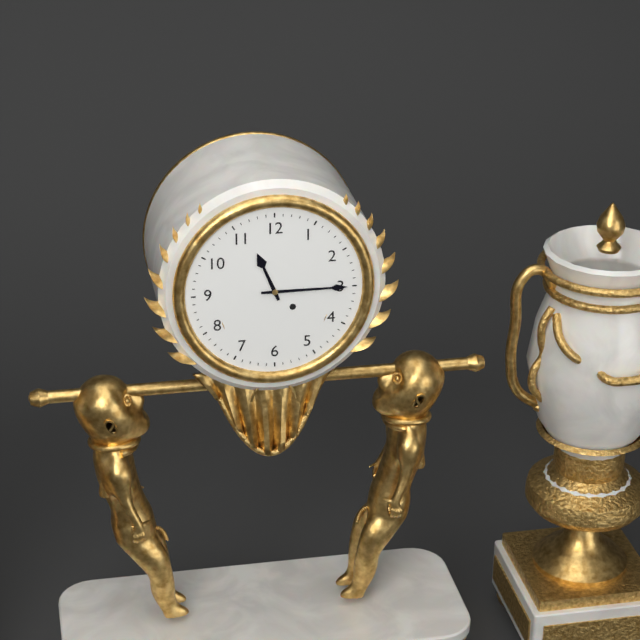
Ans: 11:15
